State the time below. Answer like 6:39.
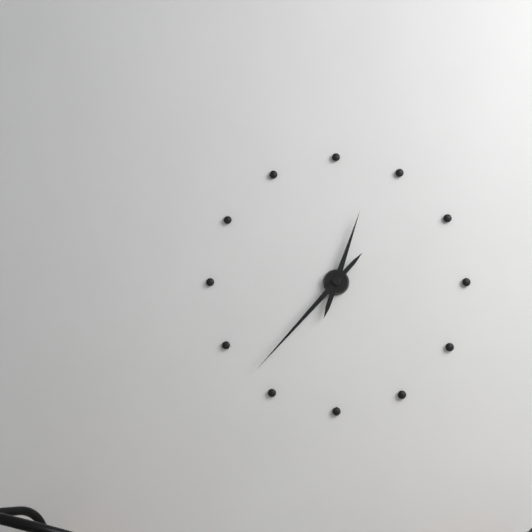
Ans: 12:37
